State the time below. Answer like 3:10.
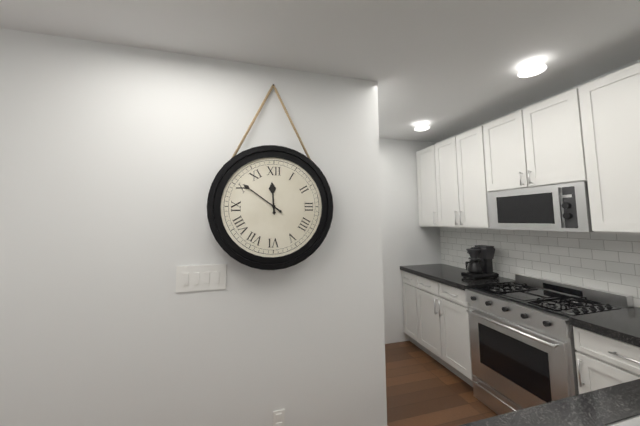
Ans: 11:51
